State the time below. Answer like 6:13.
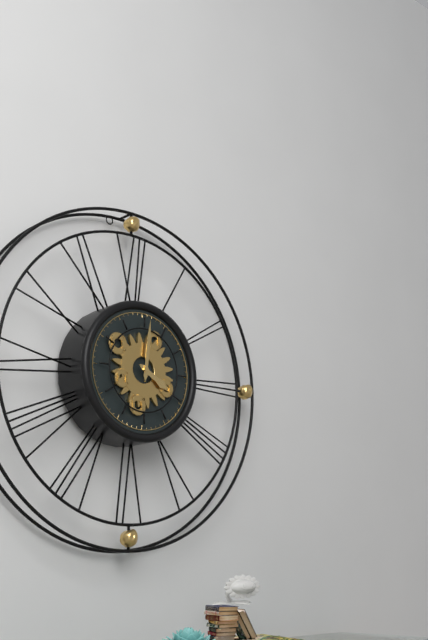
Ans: 4:01
